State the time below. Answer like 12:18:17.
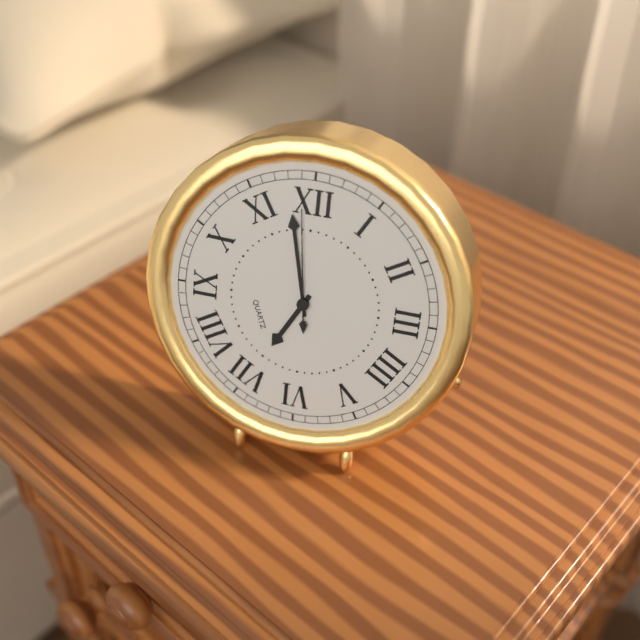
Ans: 6:58:59
